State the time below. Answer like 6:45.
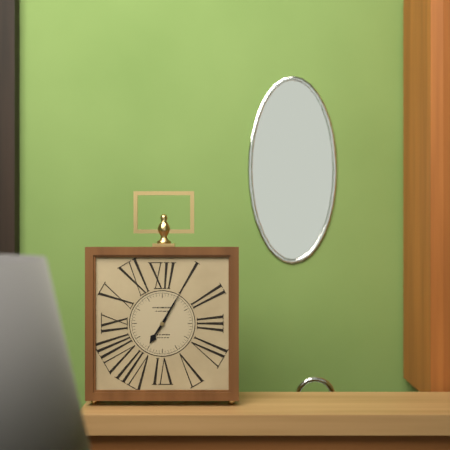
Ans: 7:05
